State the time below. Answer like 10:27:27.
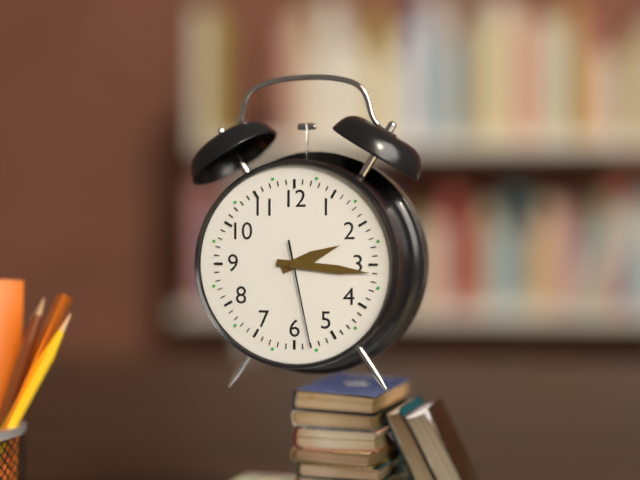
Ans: 2:16:28
